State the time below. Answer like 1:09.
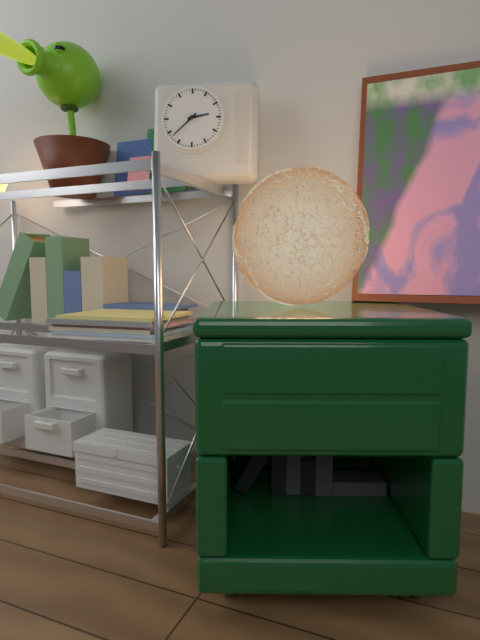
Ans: 2:38
